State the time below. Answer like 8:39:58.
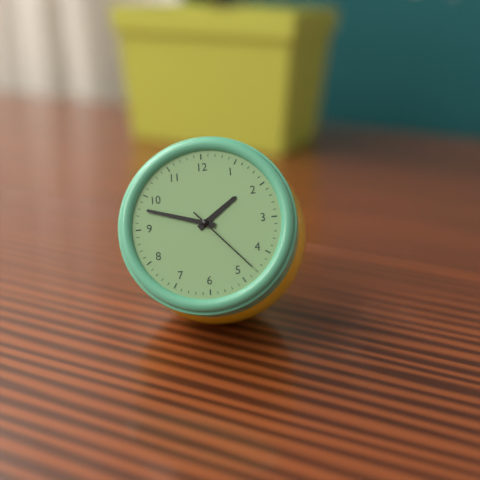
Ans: 1:48:23
